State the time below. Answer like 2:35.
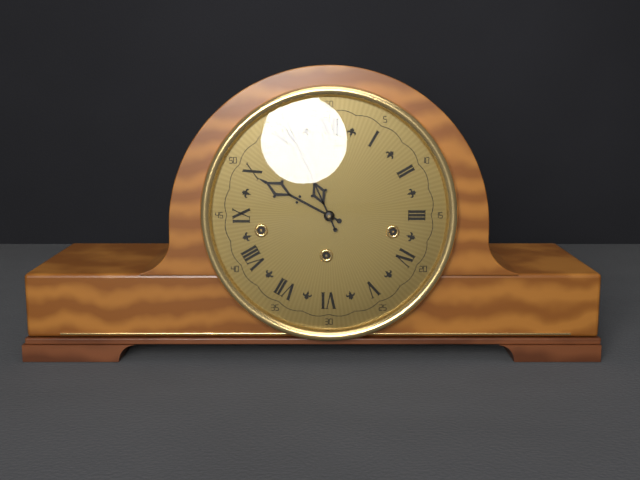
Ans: 9:56
